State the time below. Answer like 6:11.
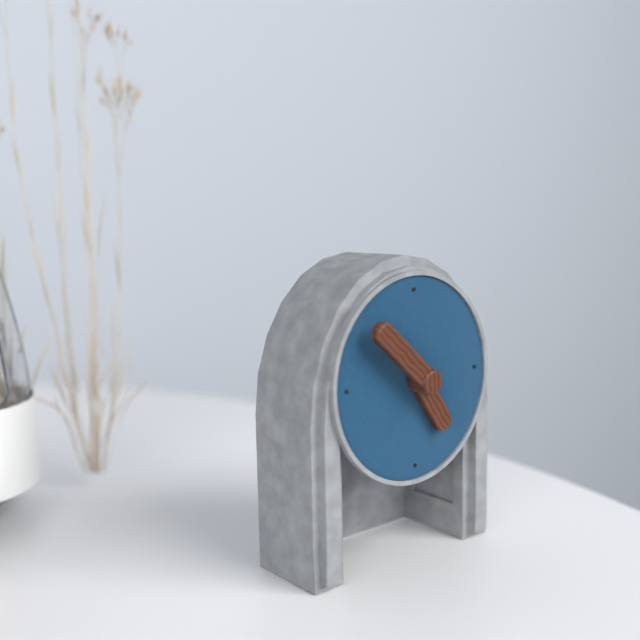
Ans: 4:52
